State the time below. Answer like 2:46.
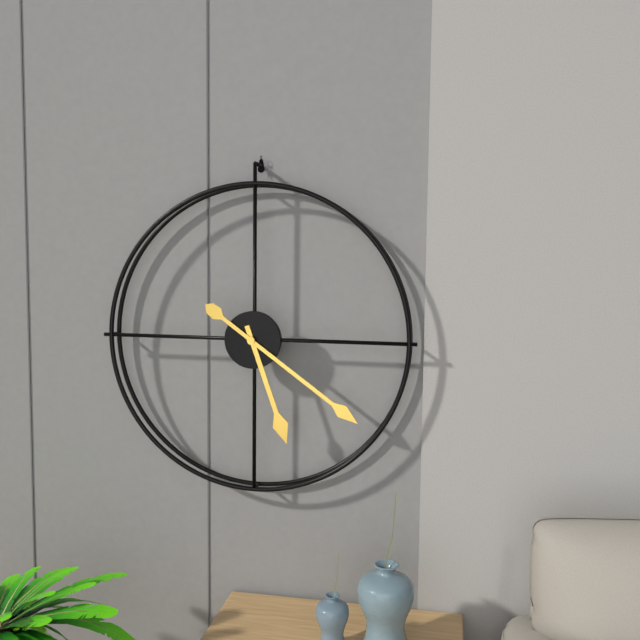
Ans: 5:21
